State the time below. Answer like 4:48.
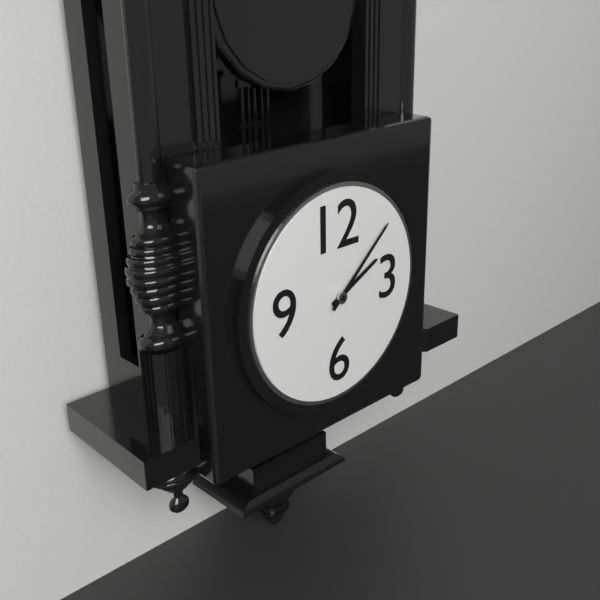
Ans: 2:08
